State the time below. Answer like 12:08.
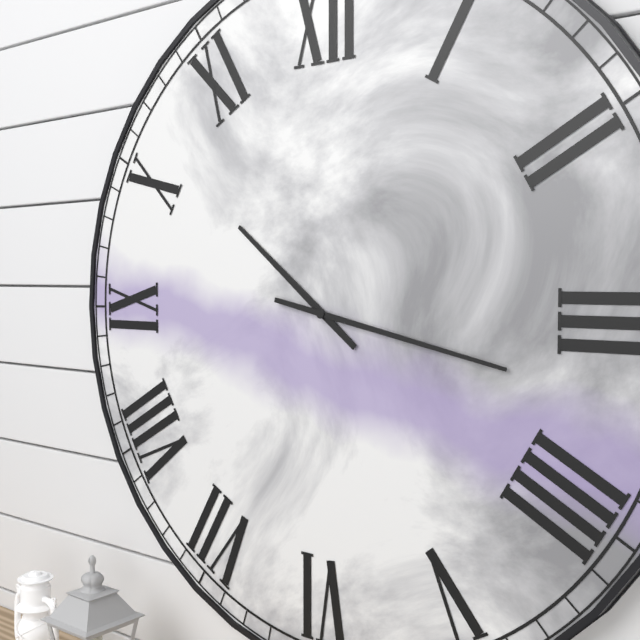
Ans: 10:17
